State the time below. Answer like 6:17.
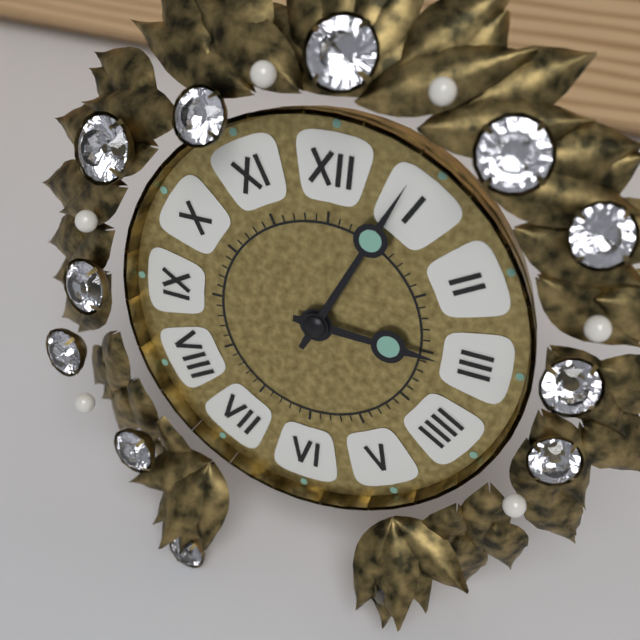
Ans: 3:04
